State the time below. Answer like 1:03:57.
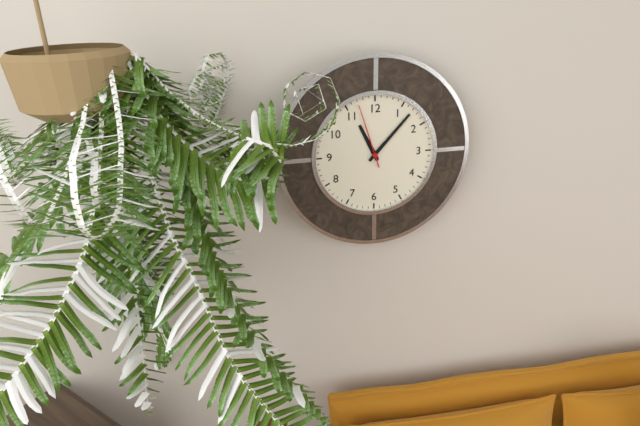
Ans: 11:07:57
